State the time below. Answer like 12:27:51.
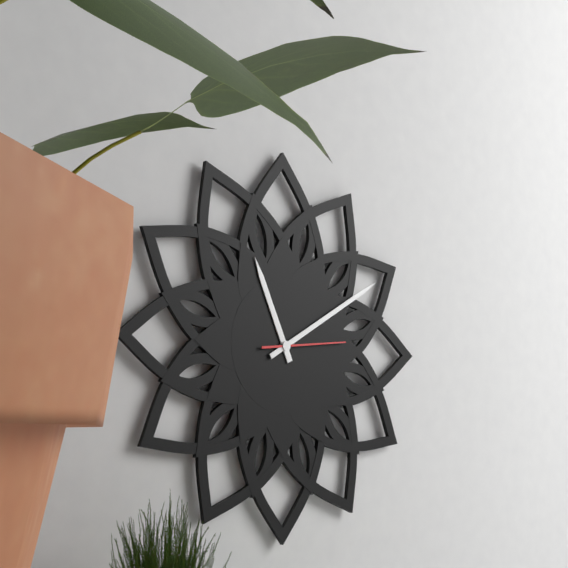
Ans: 11:10:14
